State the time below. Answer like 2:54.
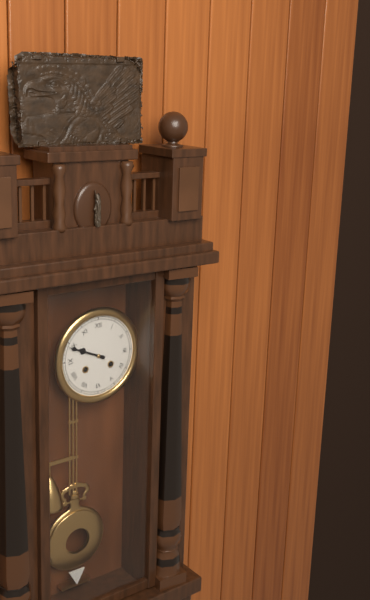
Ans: 9:49
